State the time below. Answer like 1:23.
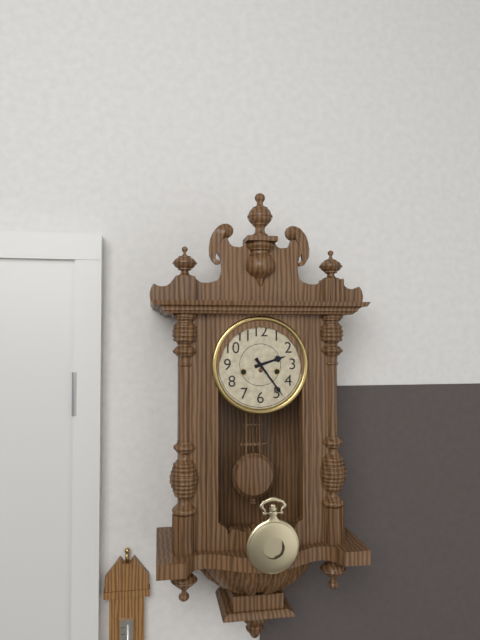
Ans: 2:24
